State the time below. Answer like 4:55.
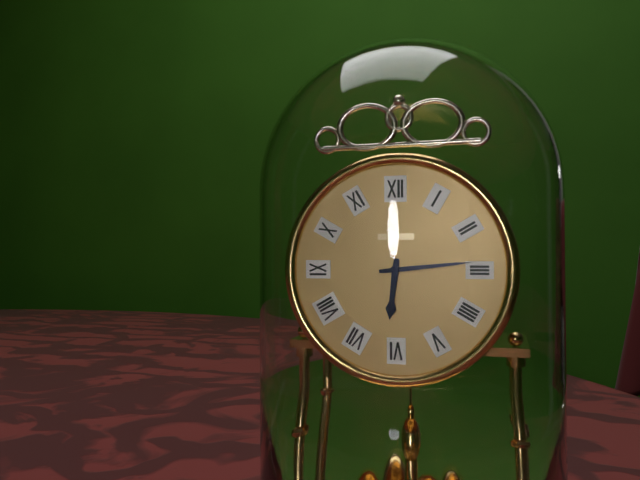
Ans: 6:14
